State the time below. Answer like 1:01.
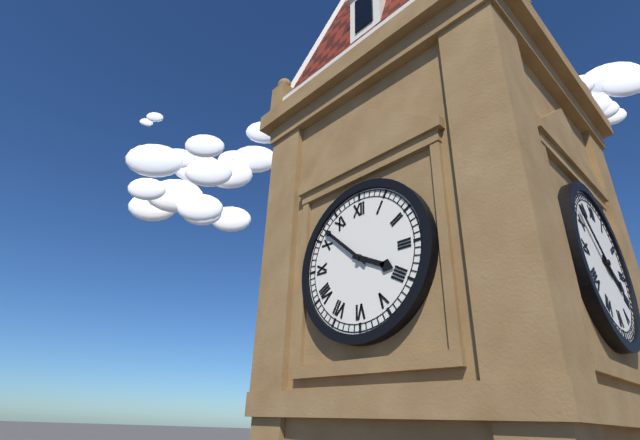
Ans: 3:52
